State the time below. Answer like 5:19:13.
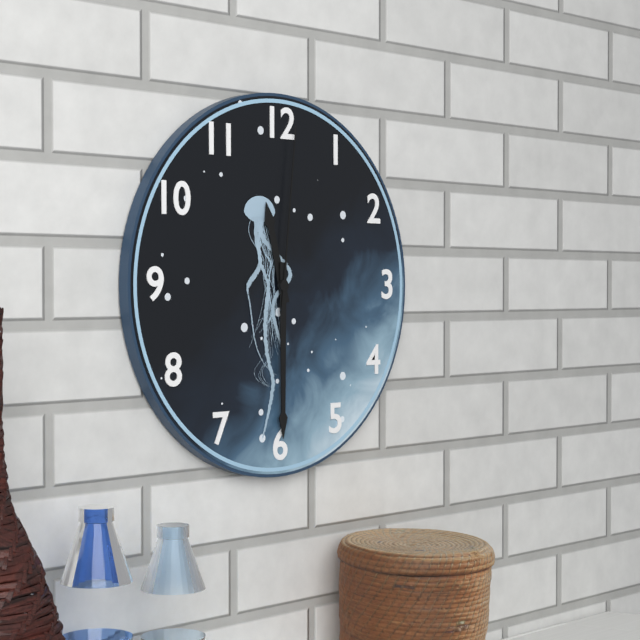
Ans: 11:30:01
